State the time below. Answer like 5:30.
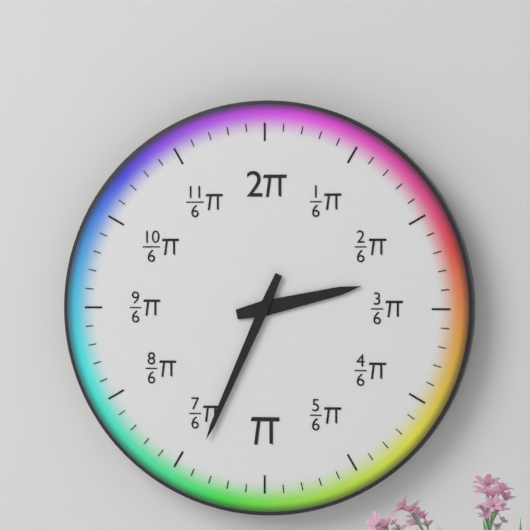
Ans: 2:34
